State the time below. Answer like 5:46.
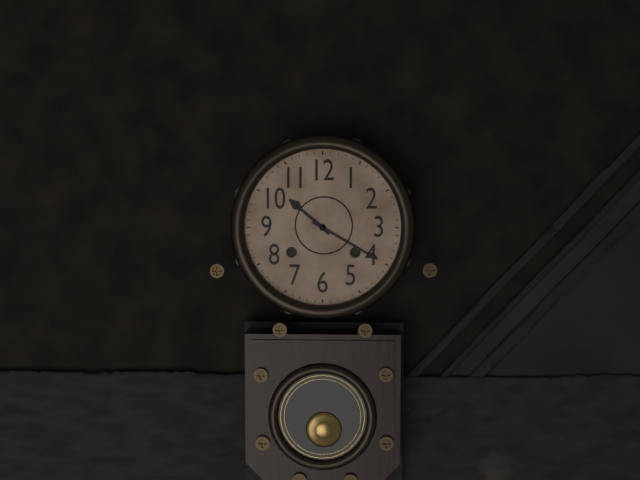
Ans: 10:20
